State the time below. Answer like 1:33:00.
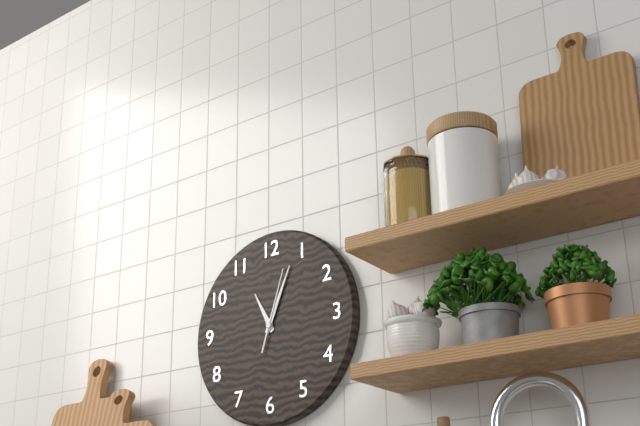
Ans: 11:04:03
